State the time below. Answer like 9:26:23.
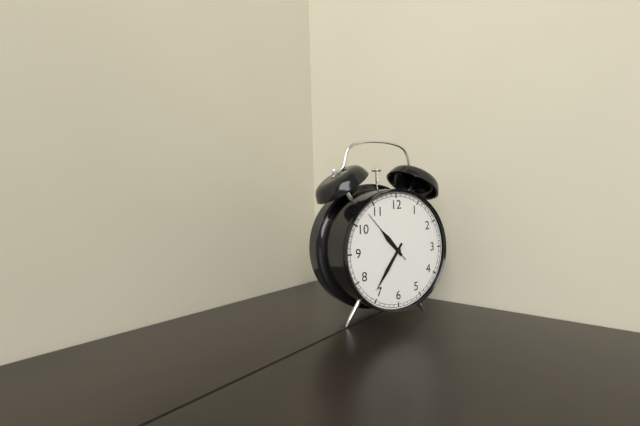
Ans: 10:36:53
